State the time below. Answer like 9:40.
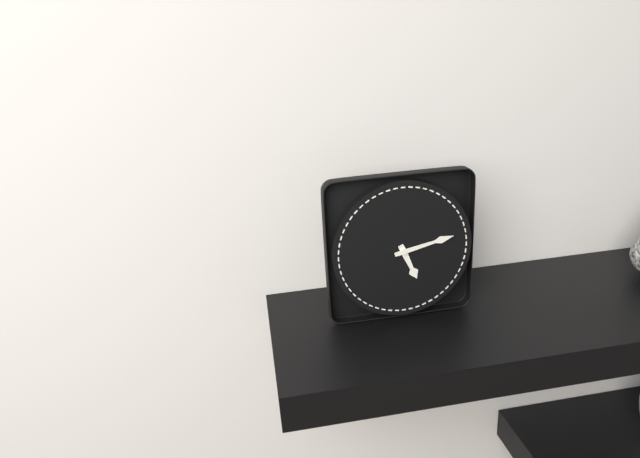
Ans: 5:13
